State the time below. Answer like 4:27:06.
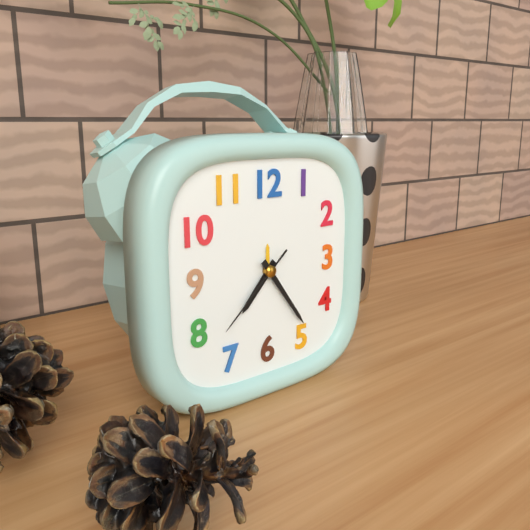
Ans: 7:24:38
